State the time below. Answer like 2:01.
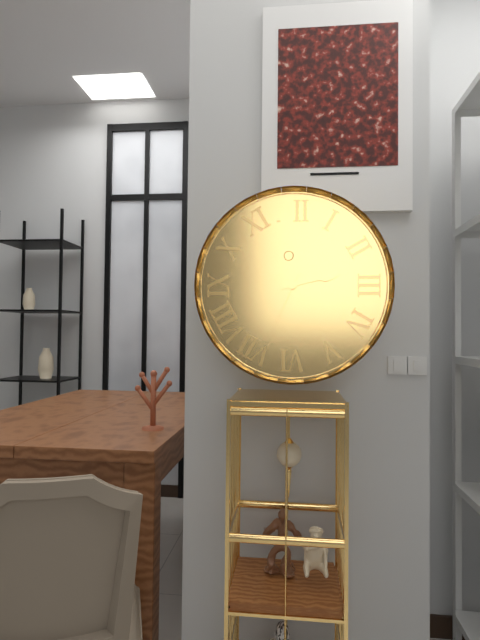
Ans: 2:34
